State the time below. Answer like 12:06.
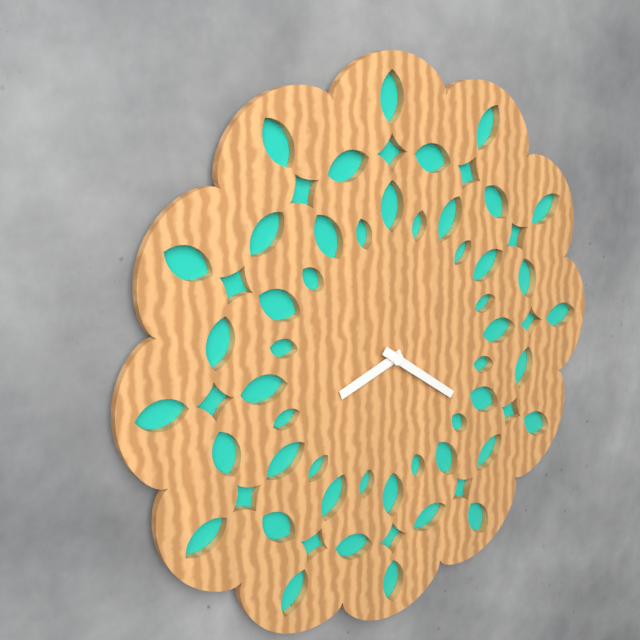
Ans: 8:21
